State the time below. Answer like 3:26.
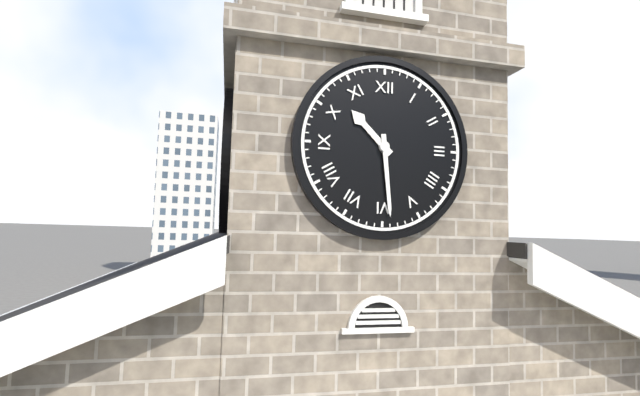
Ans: 10:29
